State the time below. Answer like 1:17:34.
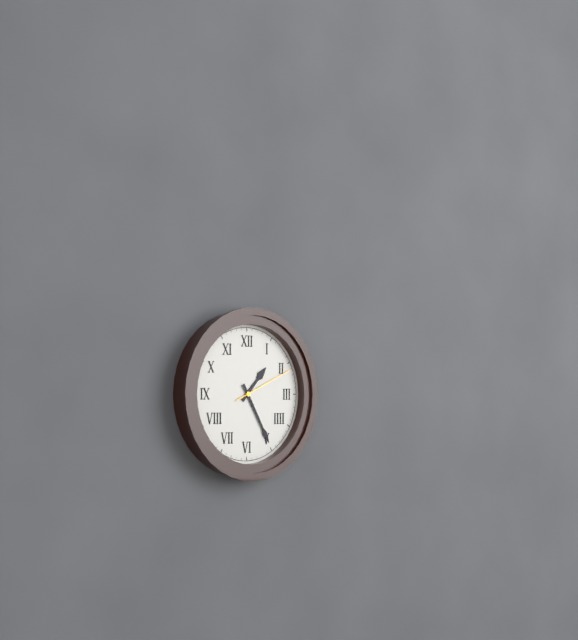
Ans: 1:25:11
